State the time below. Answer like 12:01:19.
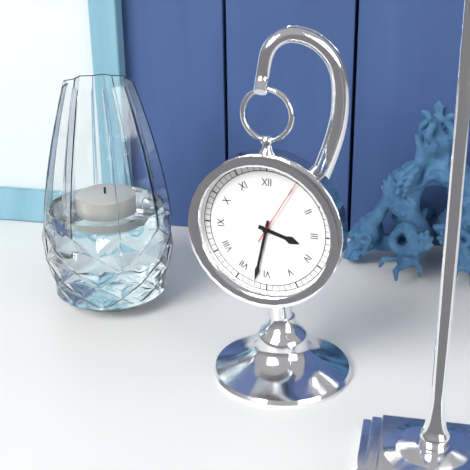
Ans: 3:32:05
